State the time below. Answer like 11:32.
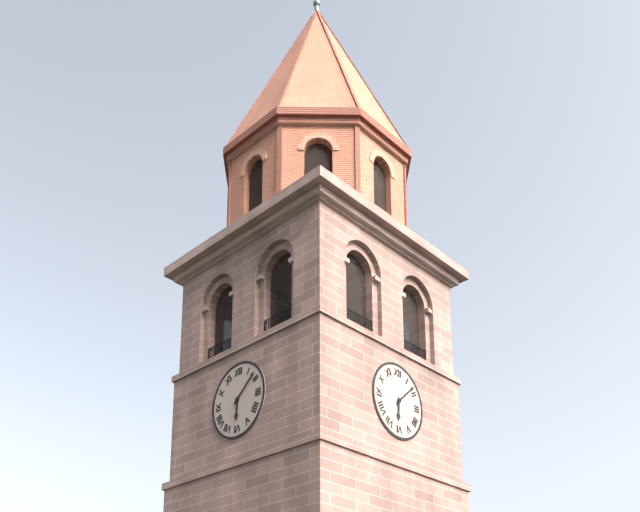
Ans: 6:08
